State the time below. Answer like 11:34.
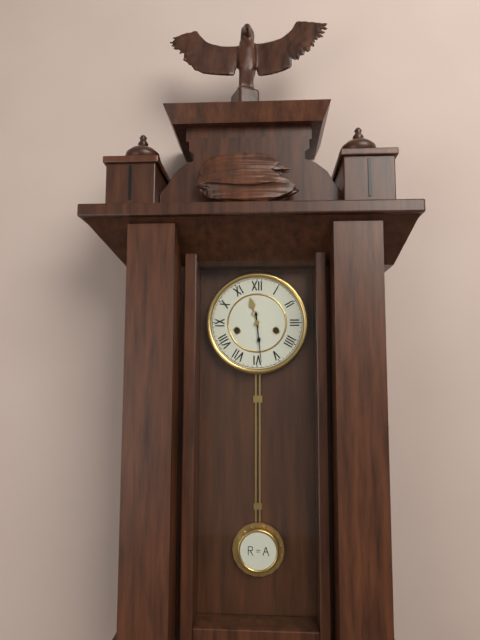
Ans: 11:29
